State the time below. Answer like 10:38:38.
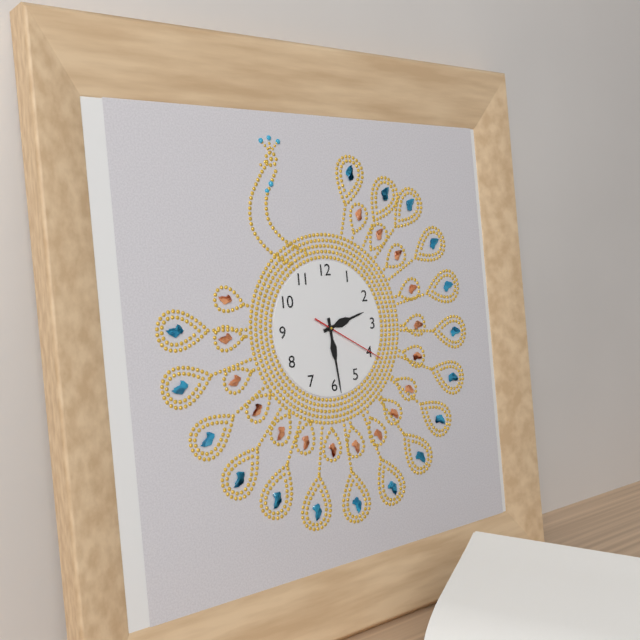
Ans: 2:29:20
